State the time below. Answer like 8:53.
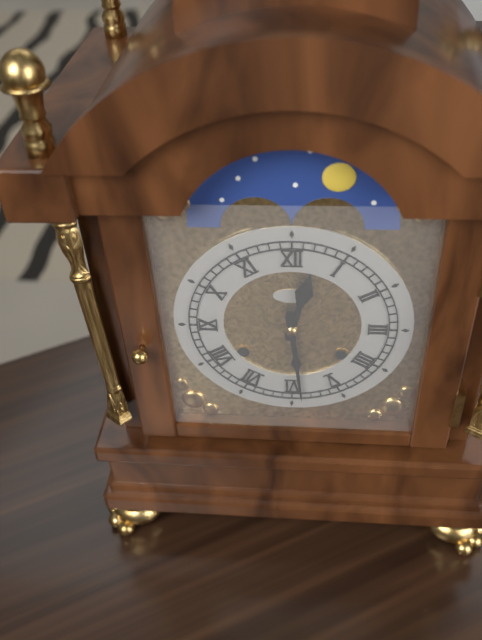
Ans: 12:29
